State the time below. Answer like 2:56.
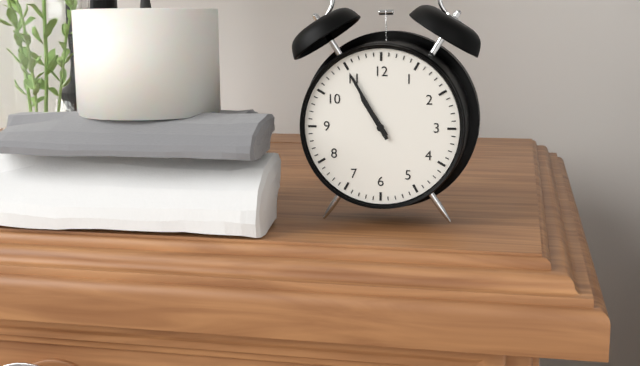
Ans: 10:55
